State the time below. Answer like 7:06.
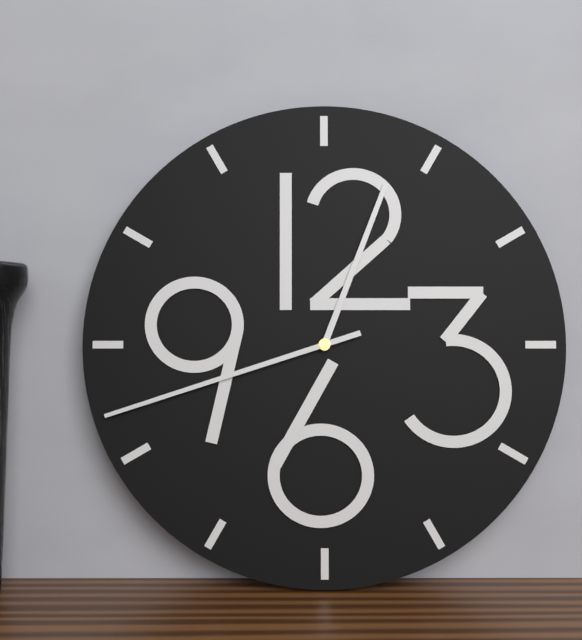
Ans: 12:42
